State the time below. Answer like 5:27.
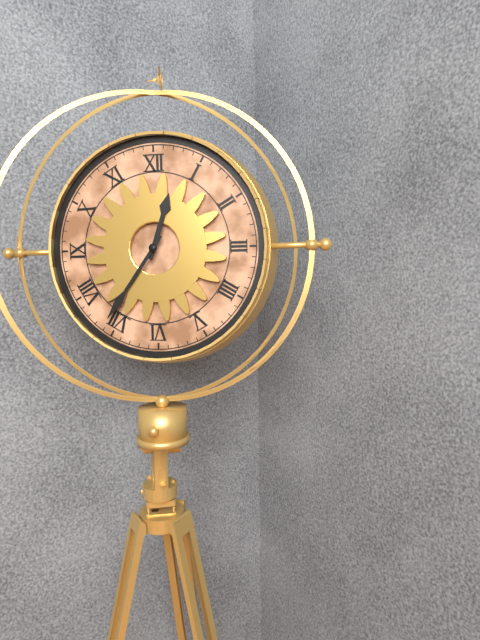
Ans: 12:36
